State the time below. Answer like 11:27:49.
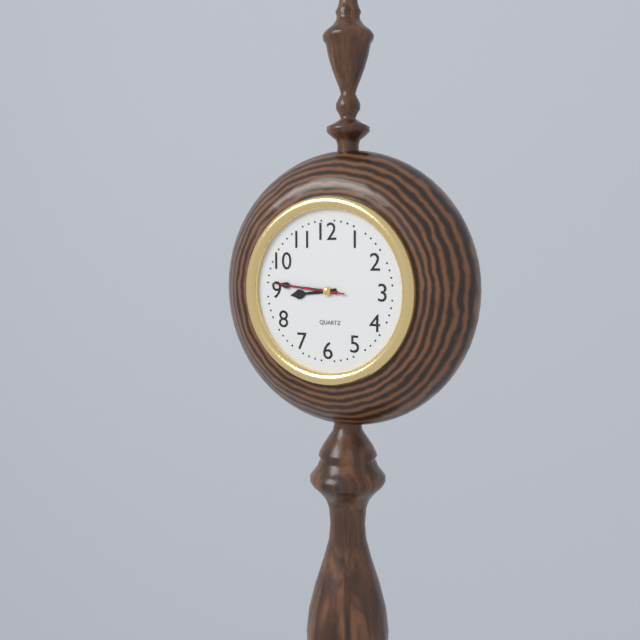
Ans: 8:46:46
